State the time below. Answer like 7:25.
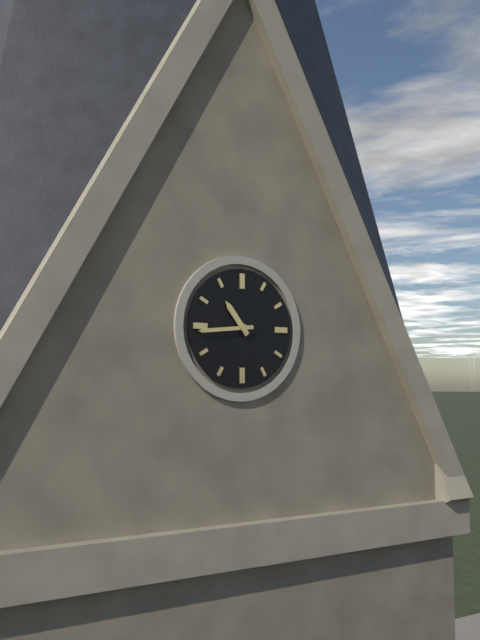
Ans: 10:44
